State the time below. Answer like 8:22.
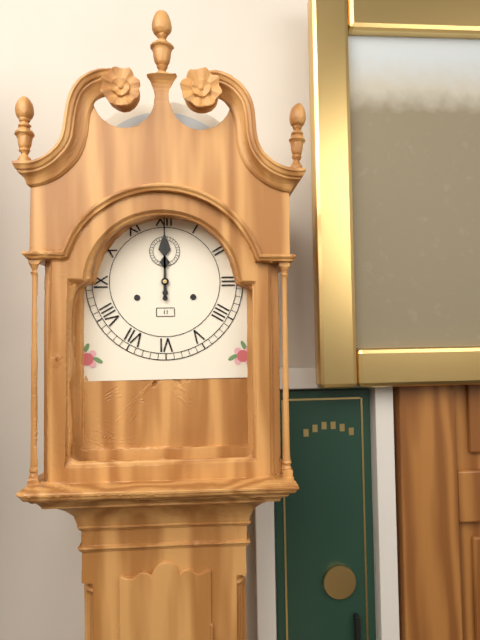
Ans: 12:00
